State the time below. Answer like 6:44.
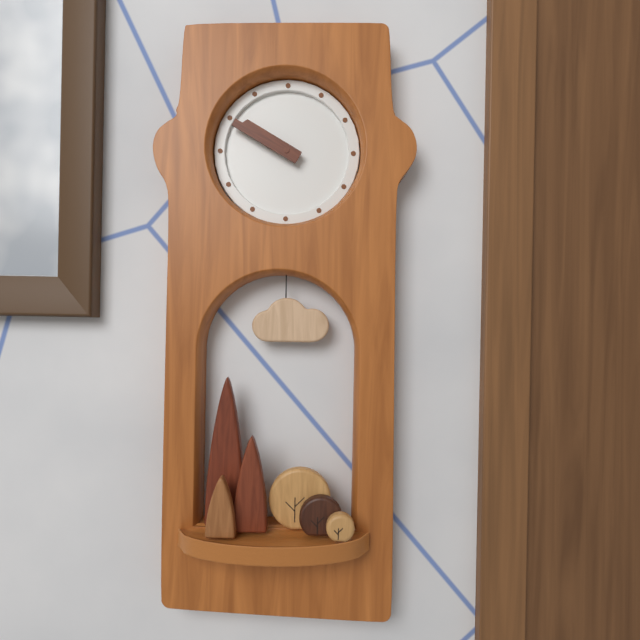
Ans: 9:50
